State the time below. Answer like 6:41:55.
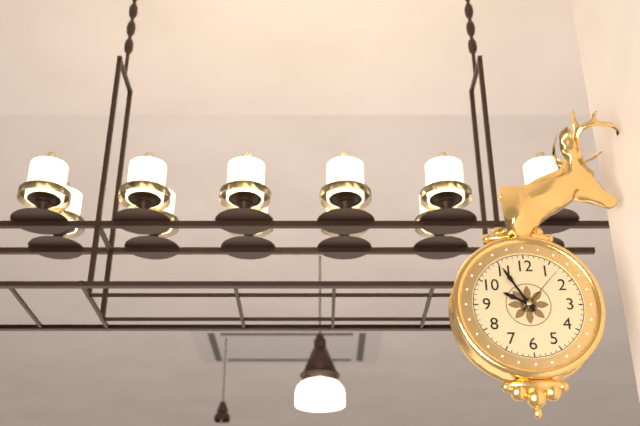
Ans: 9:55:07
